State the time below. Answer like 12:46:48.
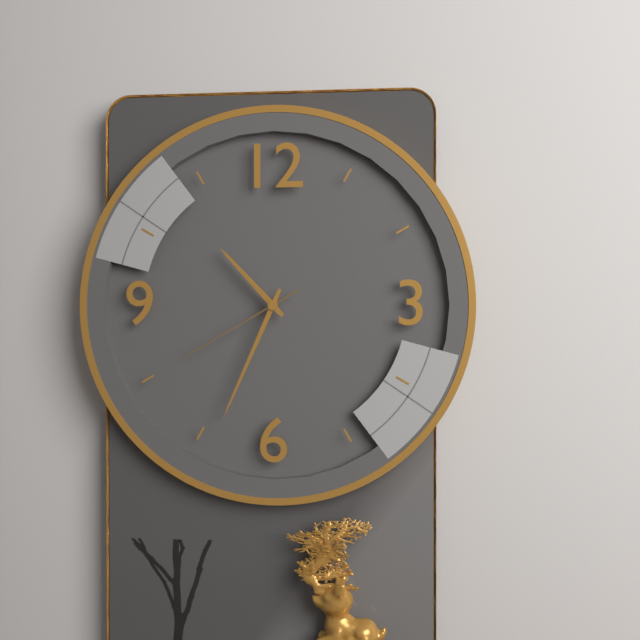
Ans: 10:34:40
